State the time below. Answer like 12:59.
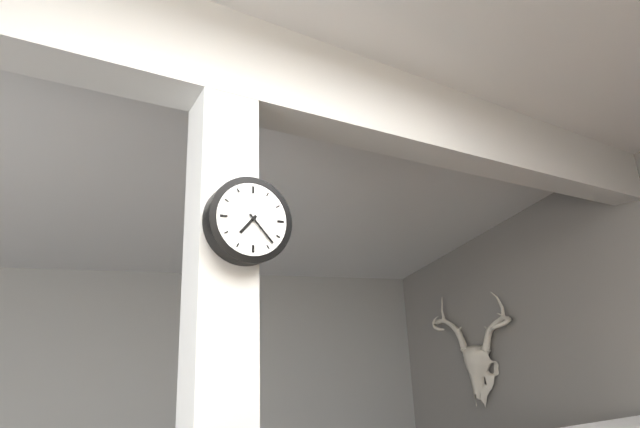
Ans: 7:23
